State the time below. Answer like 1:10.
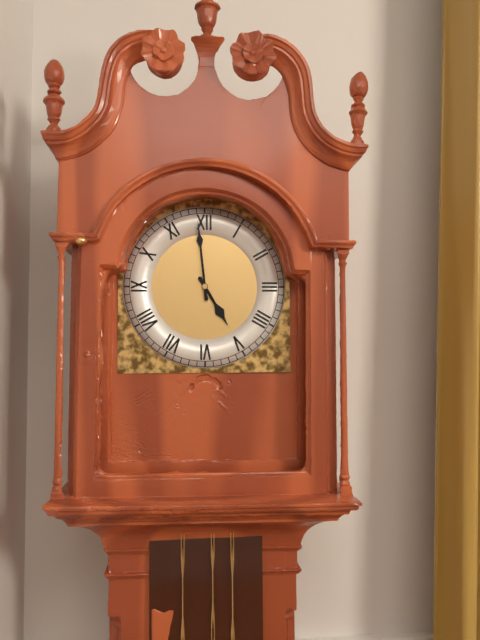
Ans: 4:59
